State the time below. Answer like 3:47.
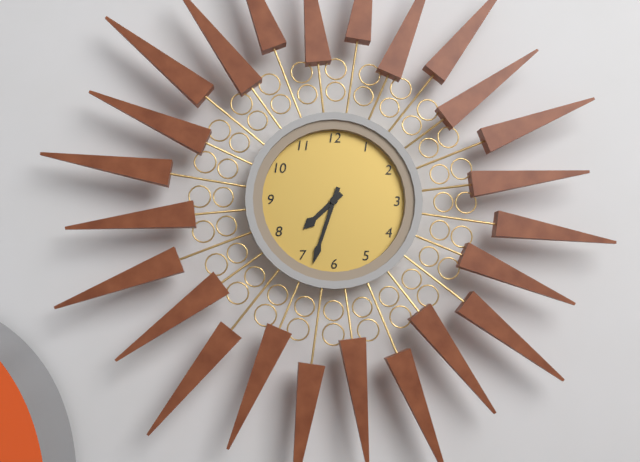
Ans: 7:33
